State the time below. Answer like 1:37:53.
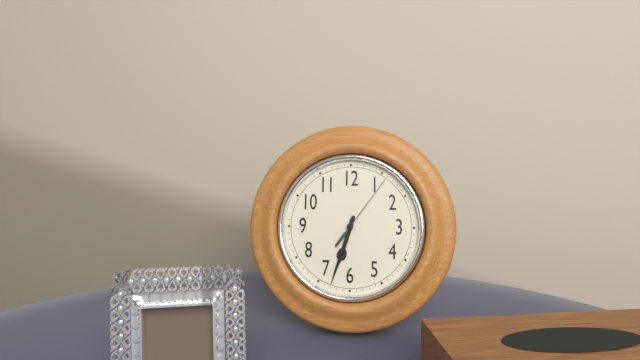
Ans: 6:33:06
